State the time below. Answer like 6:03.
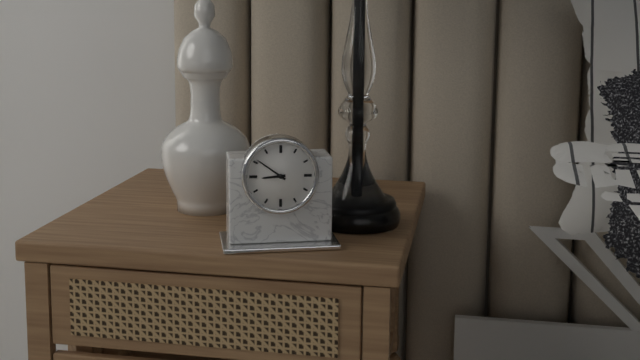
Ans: 8:51
